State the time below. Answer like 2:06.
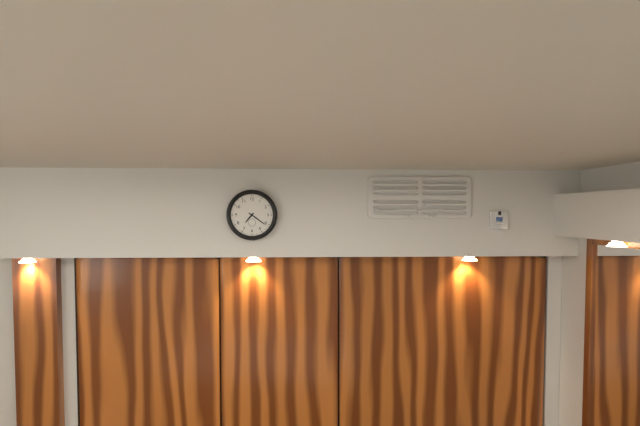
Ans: 7:21
